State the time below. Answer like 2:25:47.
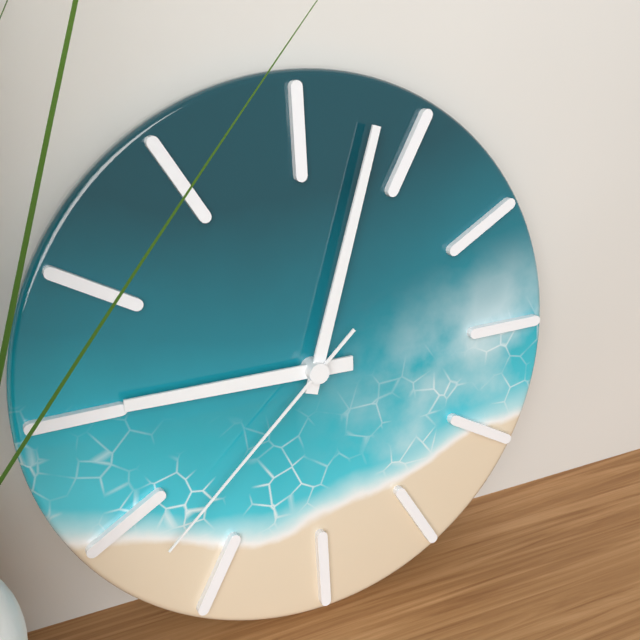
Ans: 9:03:38
